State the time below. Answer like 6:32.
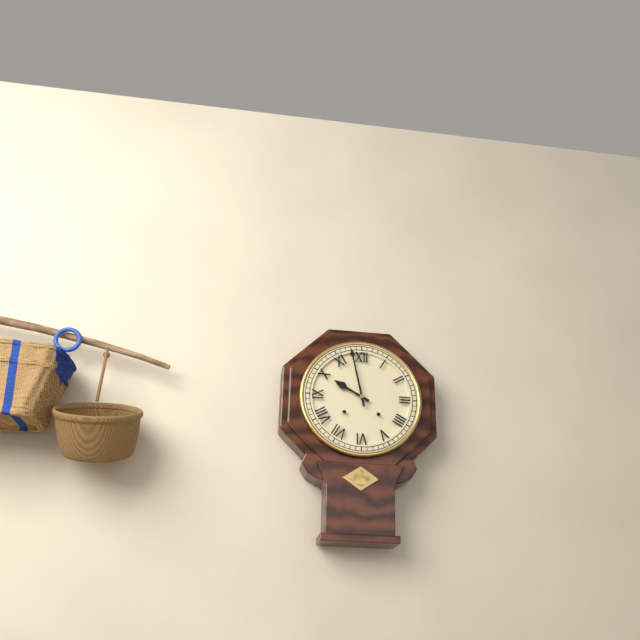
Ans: 9:58
